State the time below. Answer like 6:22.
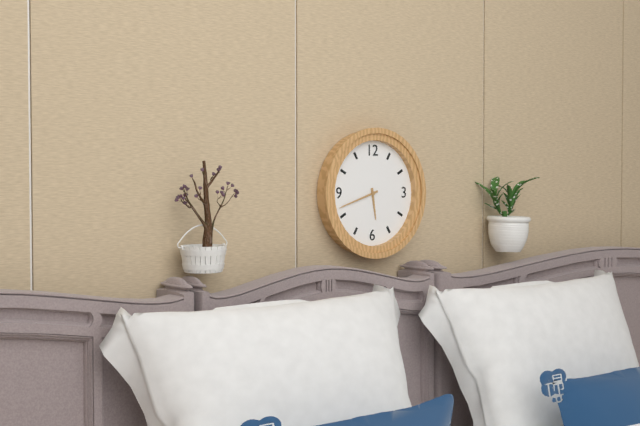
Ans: 5:42
